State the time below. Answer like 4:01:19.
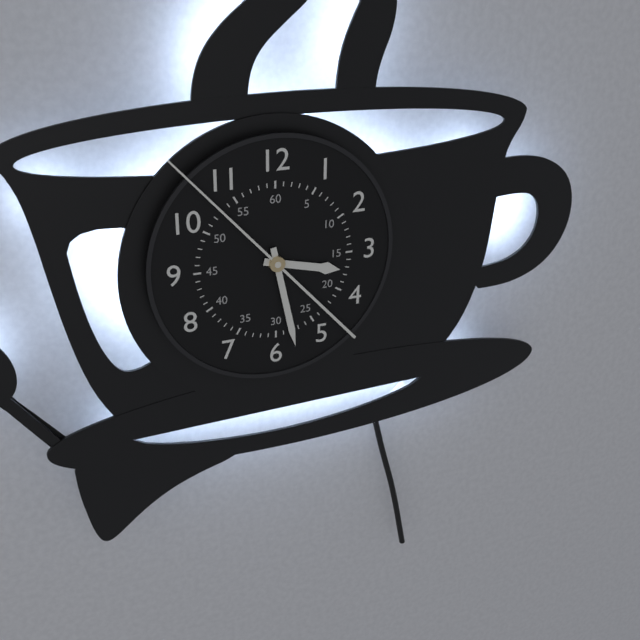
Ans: 3:28:53
